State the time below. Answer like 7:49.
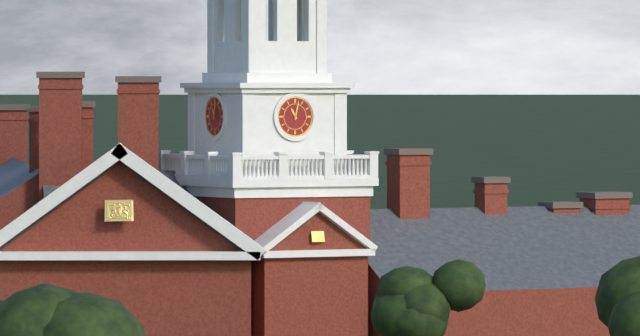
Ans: 11:02
